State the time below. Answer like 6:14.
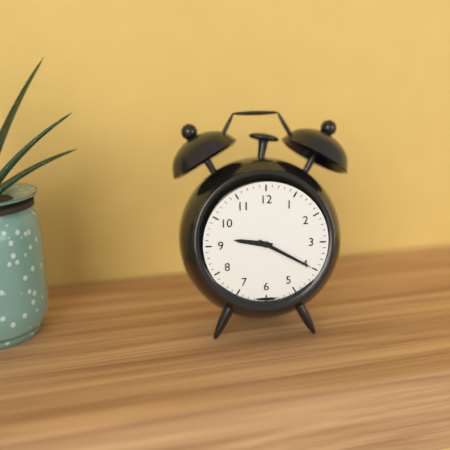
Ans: 9:20
